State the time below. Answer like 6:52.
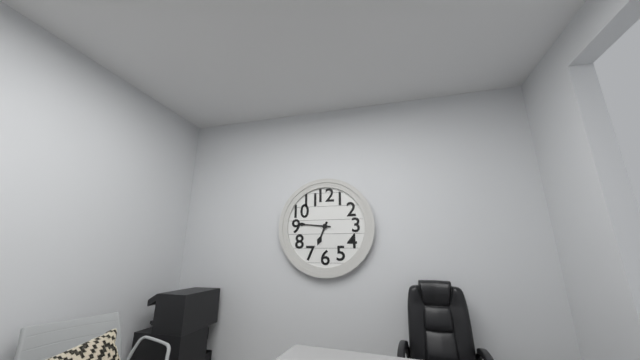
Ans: 6:46
